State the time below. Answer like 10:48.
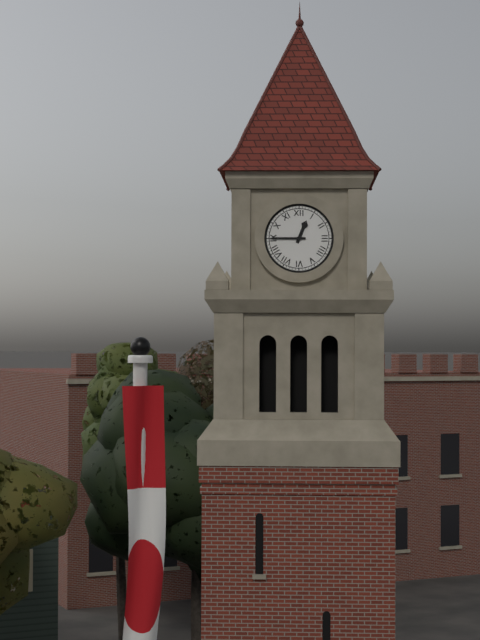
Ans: 12:45
